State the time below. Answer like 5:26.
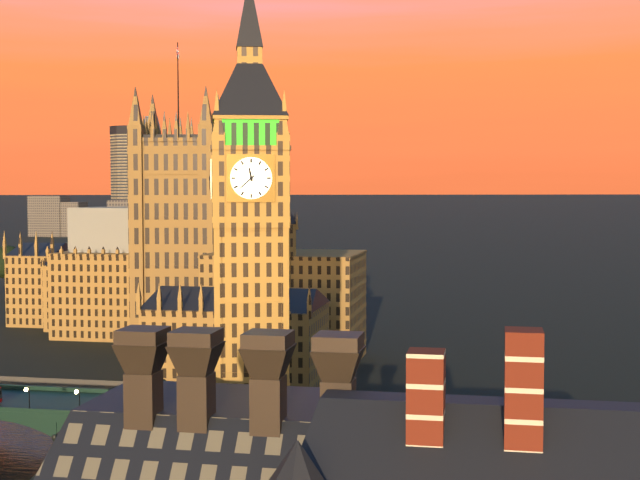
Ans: 11:38
